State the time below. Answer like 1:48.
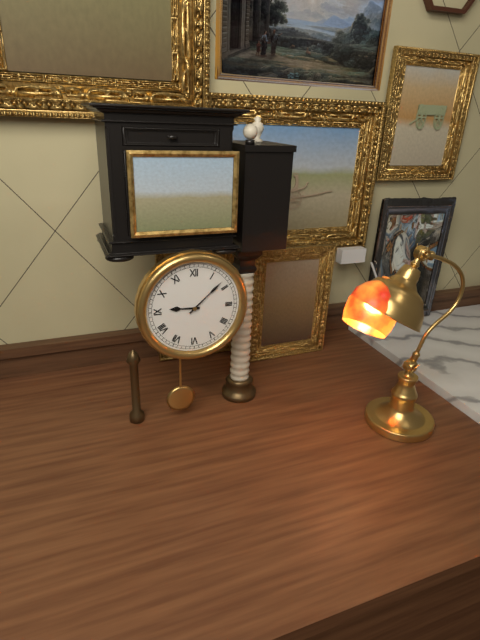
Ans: 9:08
